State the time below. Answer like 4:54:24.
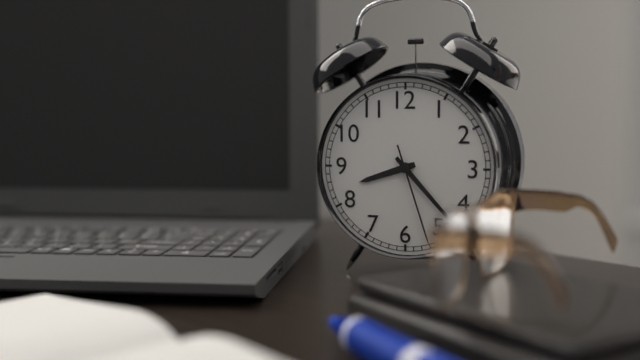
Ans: 8:23:27
